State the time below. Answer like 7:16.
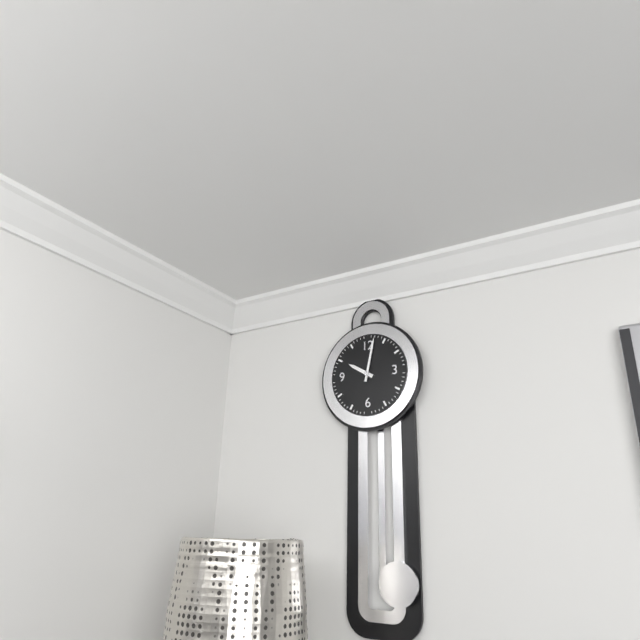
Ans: 10:02
